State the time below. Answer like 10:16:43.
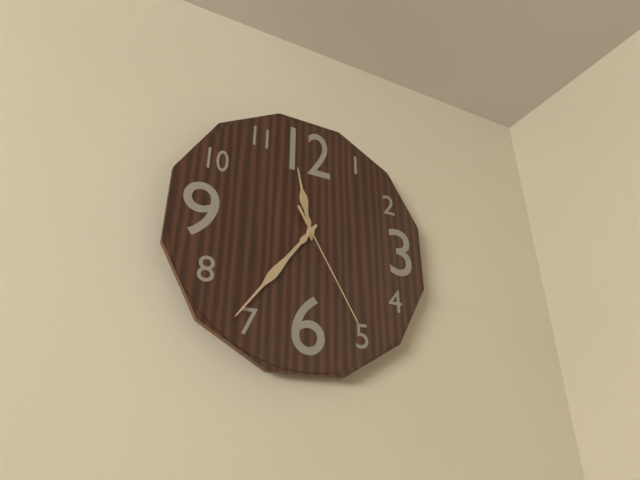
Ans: 11:36:25
